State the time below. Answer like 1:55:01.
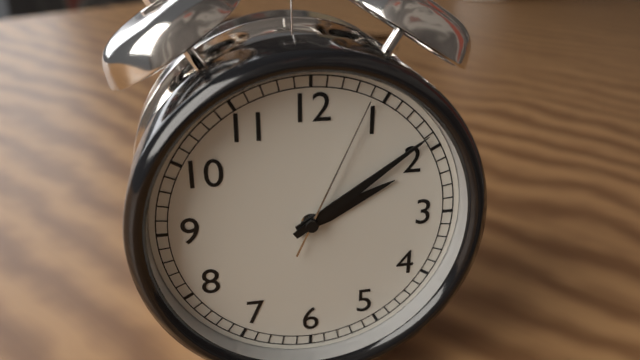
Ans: 2:09:04
